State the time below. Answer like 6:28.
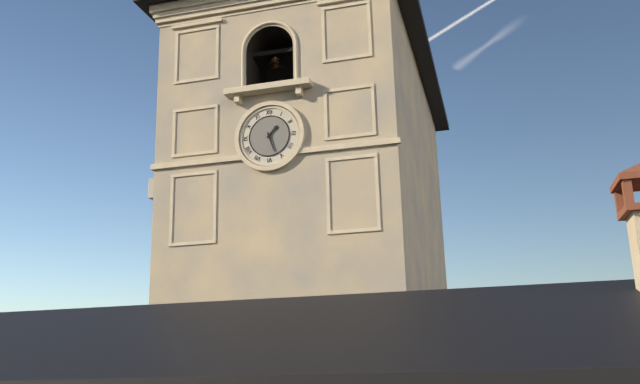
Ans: 1:27
